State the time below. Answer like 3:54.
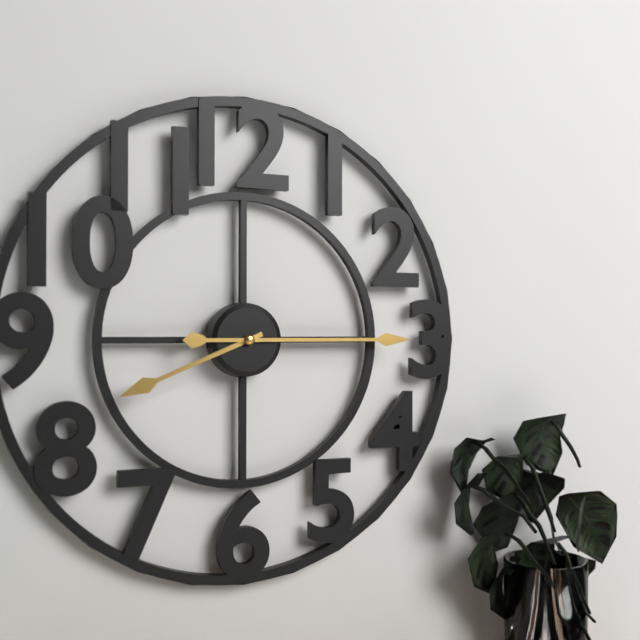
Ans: 8:15
